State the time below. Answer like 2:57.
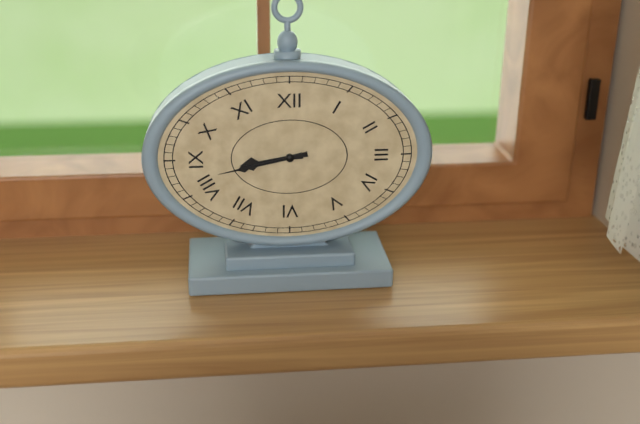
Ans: 8:43
